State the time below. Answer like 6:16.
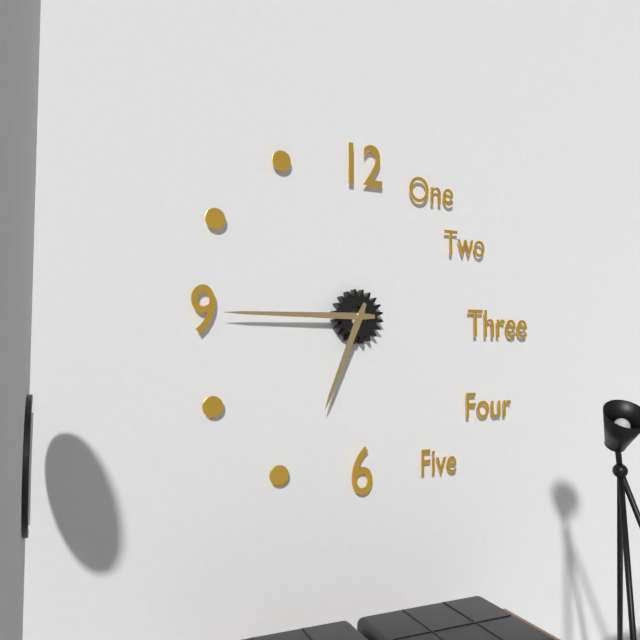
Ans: 6:45
